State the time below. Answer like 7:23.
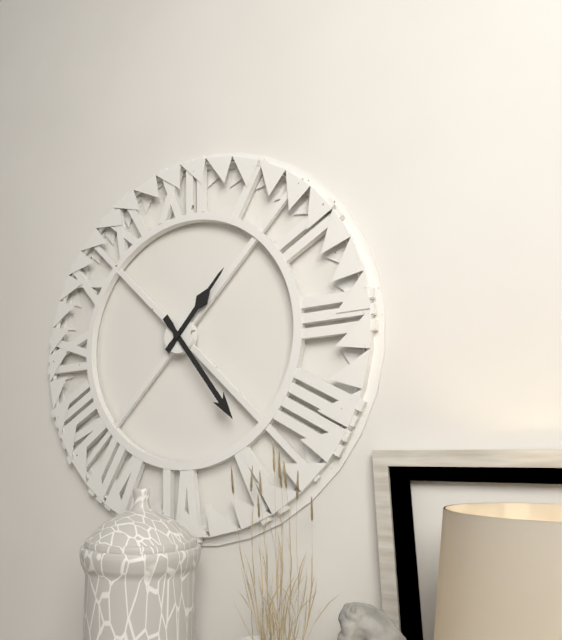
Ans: 1:24
